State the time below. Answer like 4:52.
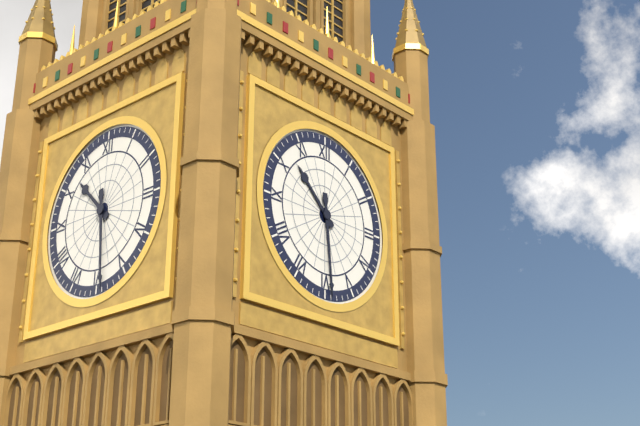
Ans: 10:29
